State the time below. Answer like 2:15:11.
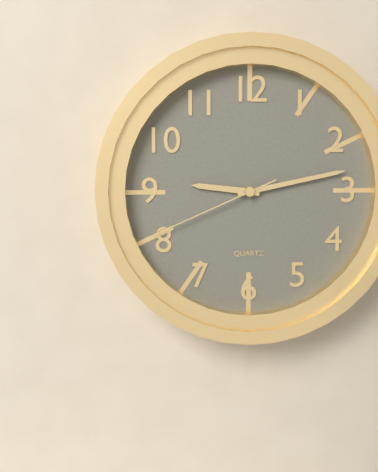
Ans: 9:13:41
